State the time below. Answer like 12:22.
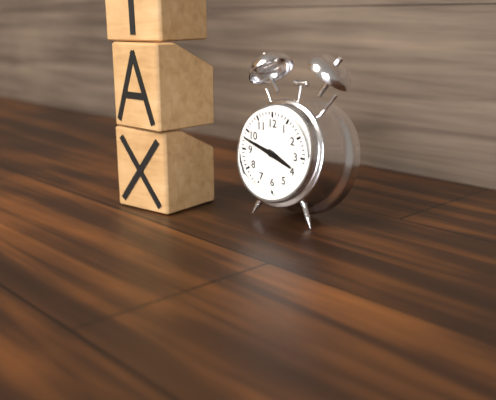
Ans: 3:48
